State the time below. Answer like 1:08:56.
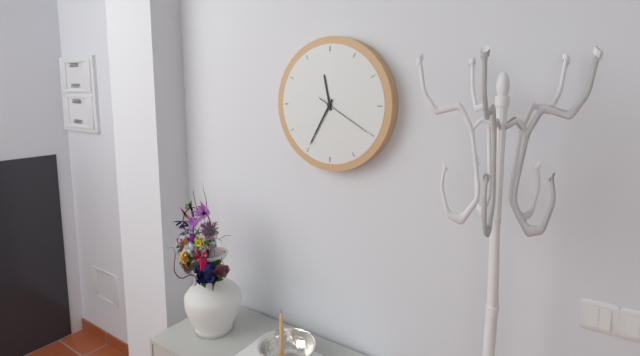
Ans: 11:35:20
